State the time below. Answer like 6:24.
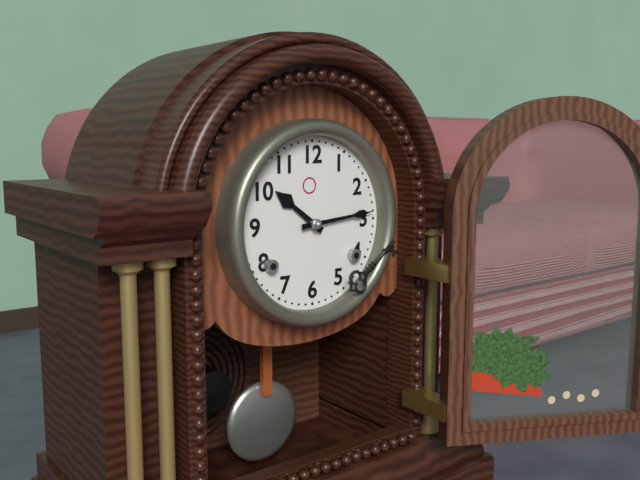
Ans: 10:14
